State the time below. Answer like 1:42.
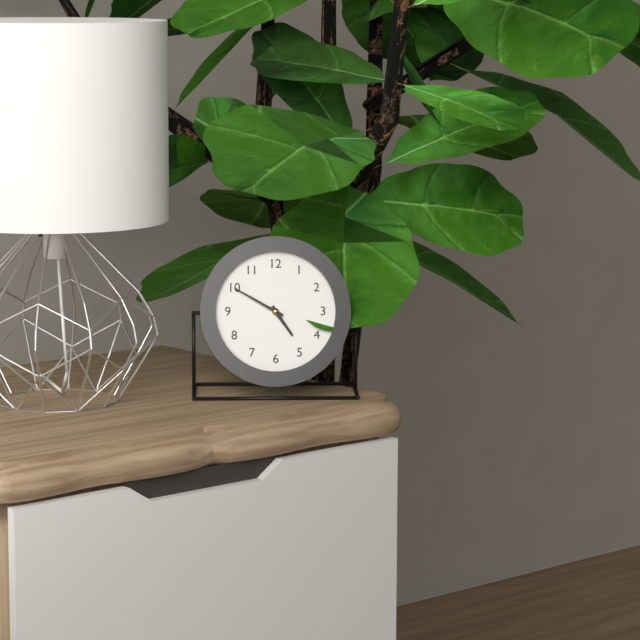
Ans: 4:50
